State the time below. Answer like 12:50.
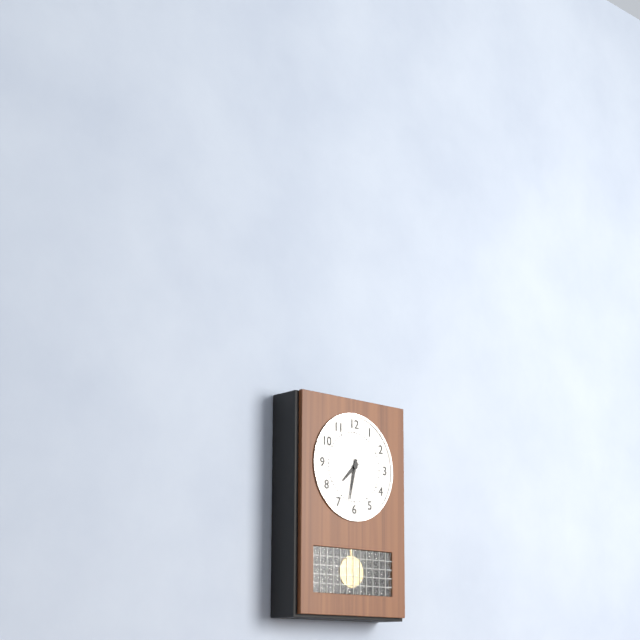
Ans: 7:32
